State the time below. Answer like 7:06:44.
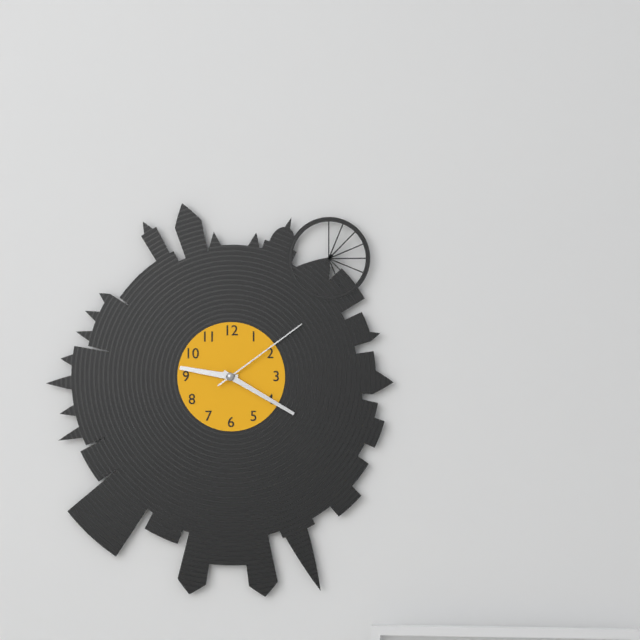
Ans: 9:20:09
